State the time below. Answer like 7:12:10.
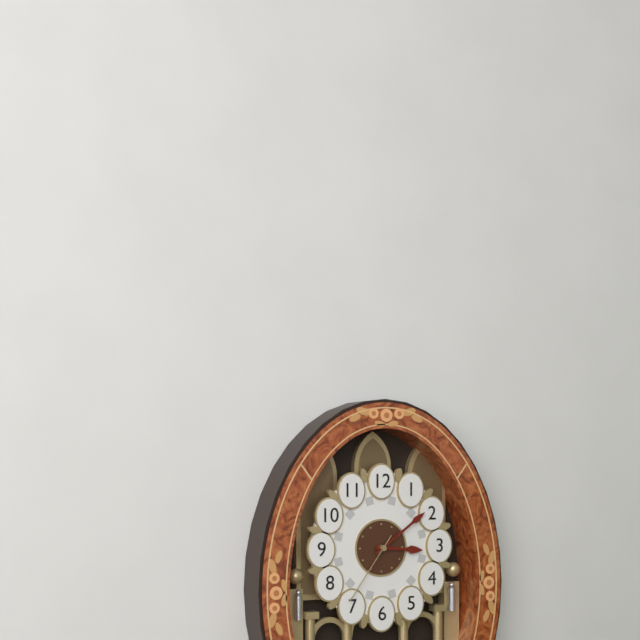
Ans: 3:09:36
